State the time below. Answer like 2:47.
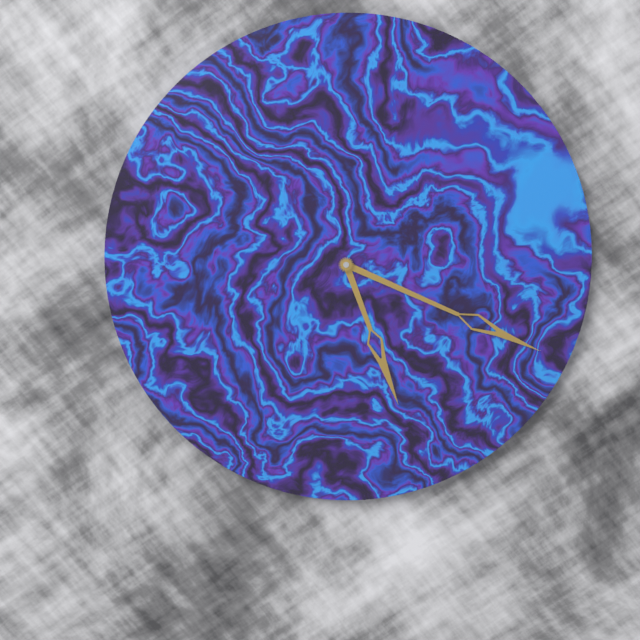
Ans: 5:19
